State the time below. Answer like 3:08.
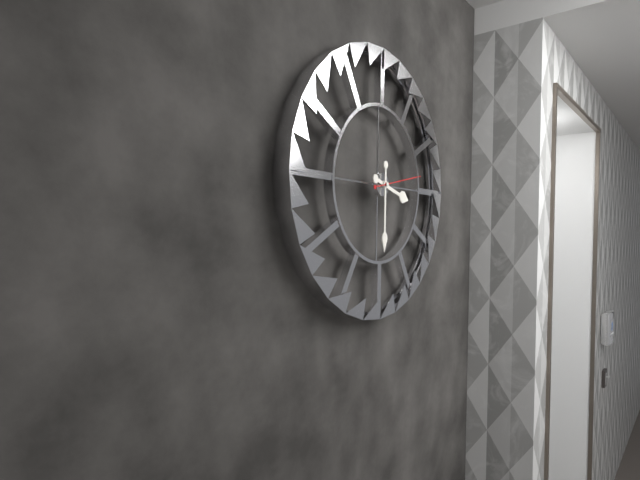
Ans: 3:30
